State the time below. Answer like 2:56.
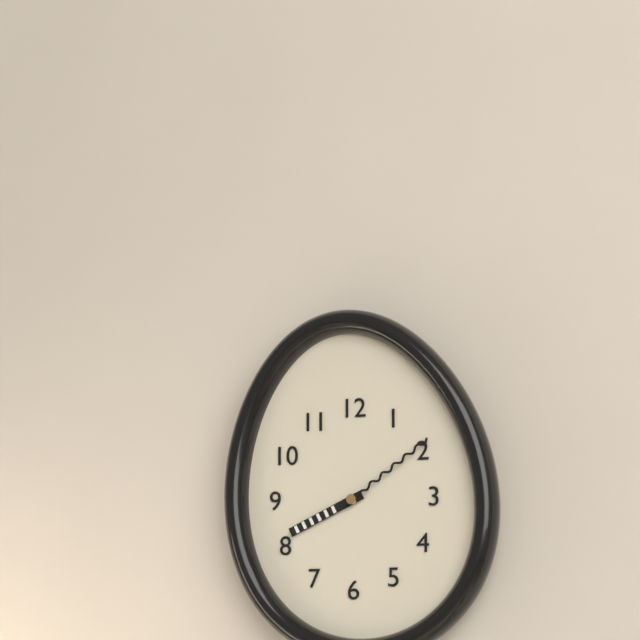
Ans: 8:09
